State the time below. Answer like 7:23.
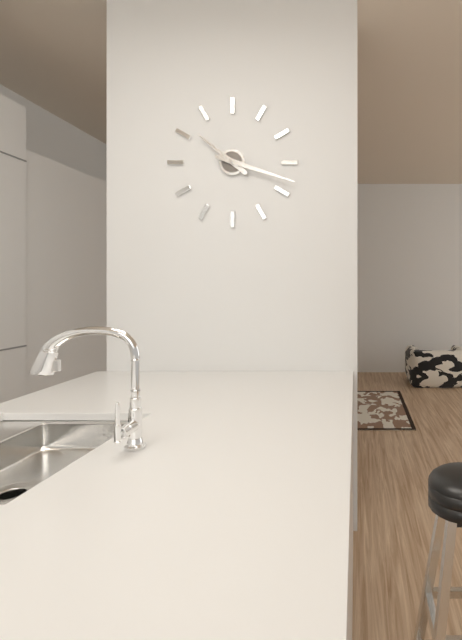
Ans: 10:18
